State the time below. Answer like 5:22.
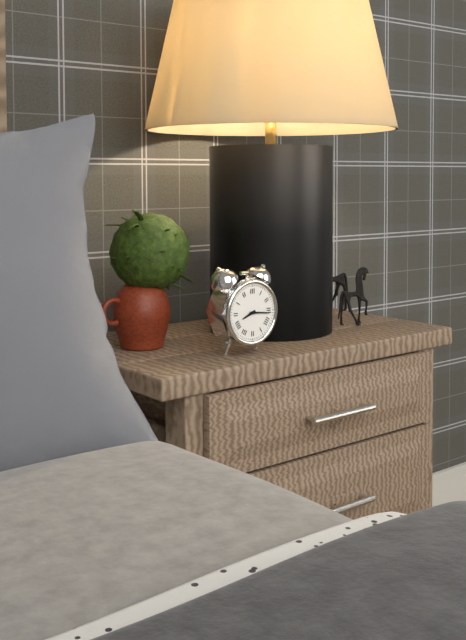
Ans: 8:16
